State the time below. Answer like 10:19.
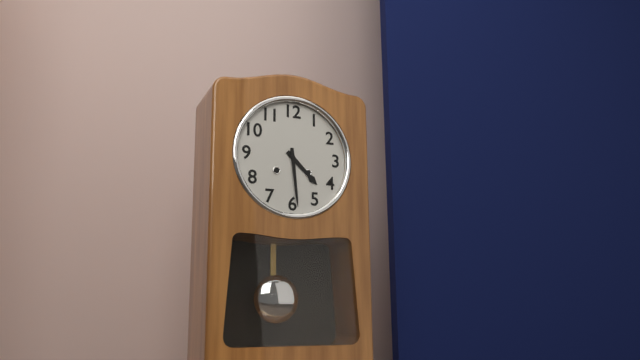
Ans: 4:29
